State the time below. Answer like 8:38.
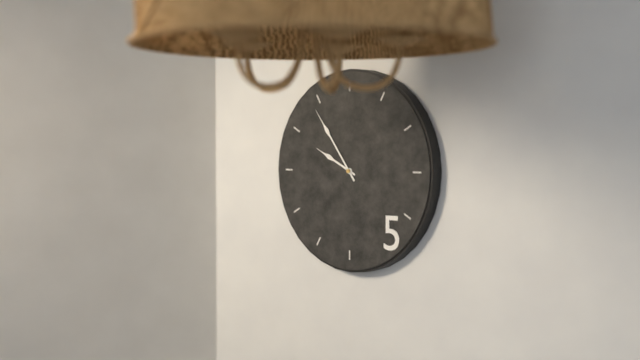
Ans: 9:54
